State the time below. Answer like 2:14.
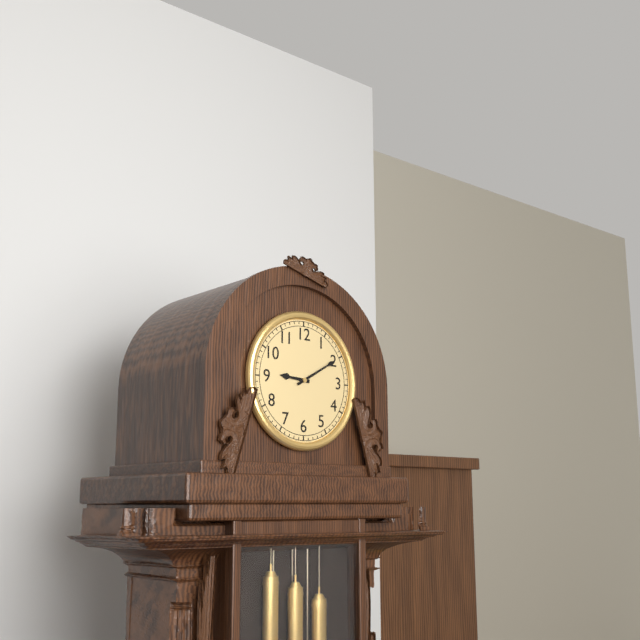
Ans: 9:10
